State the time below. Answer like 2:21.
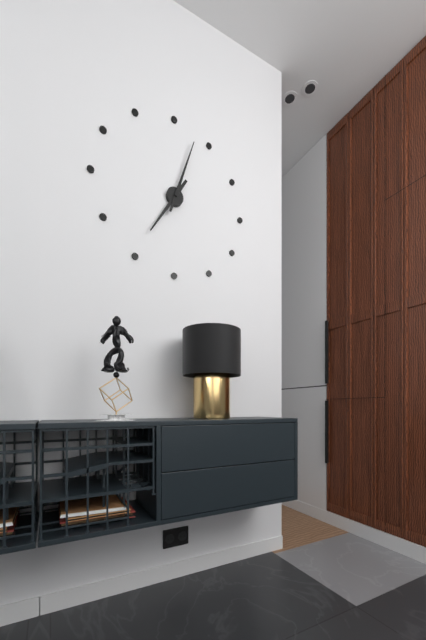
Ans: 7:03
